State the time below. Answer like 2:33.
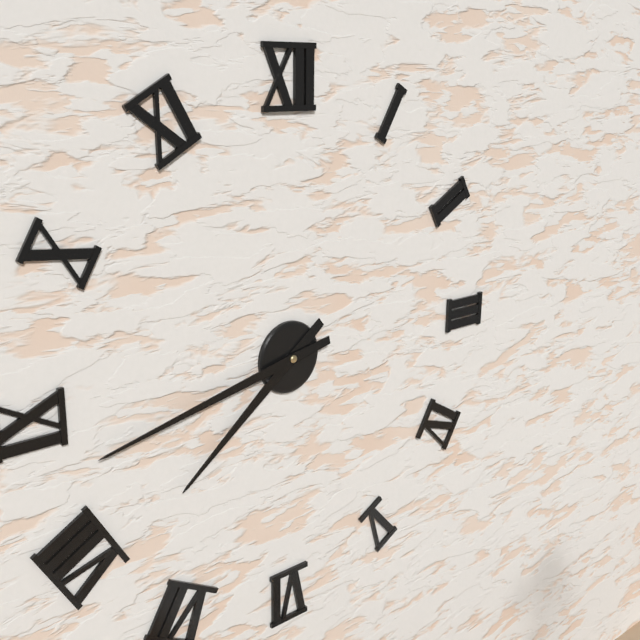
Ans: 7:43
